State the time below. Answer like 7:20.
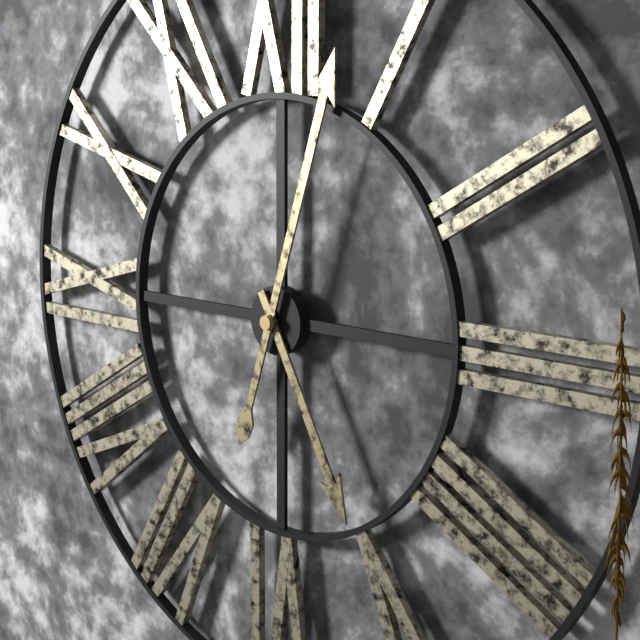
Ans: 5:03
